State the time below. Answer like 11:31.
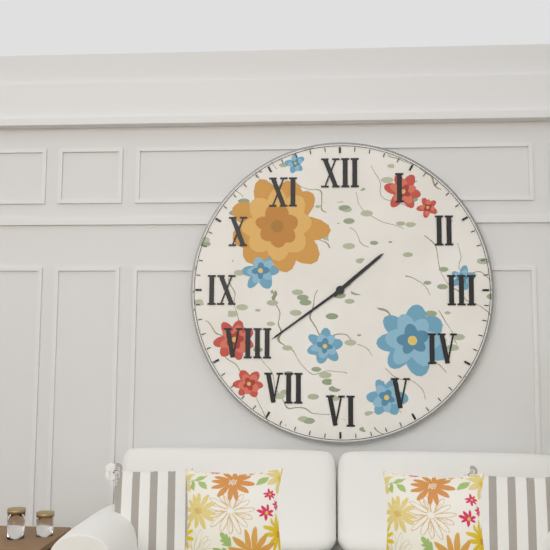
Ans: 1:39
